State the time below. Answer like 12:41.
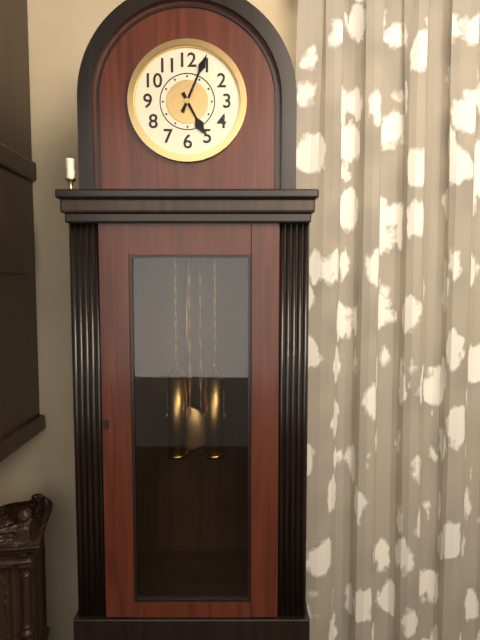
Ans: 5:04
